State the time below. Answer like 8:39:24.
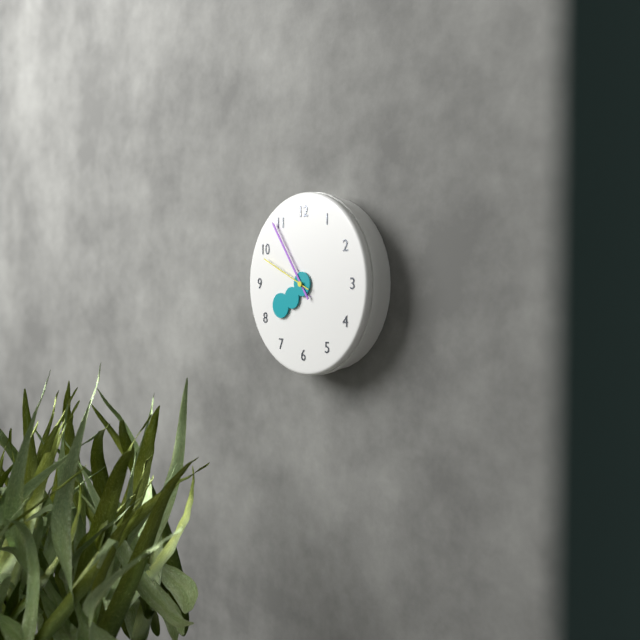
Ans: 7:54:49
